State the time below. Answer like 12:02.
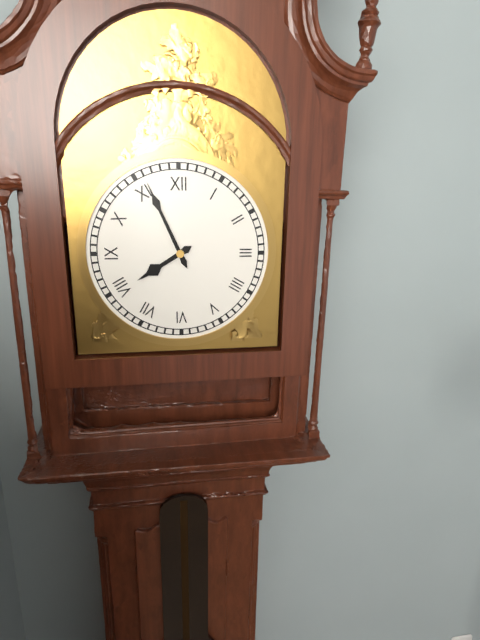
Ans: 7:56
